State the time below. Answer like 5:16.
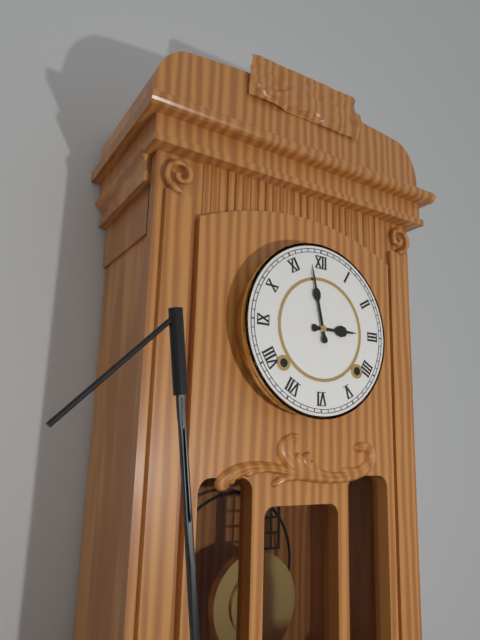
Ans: 2:58
